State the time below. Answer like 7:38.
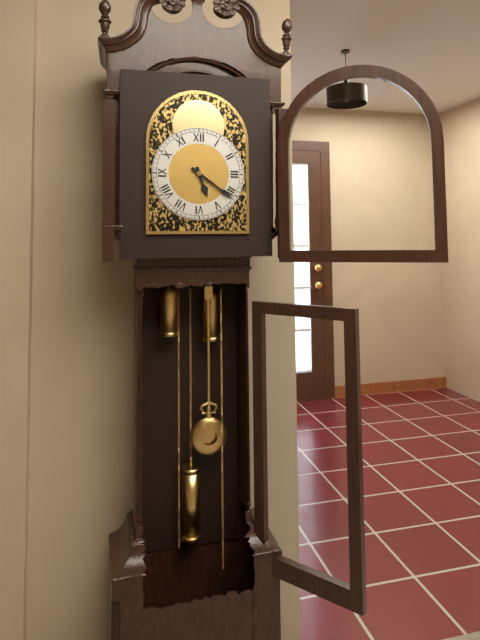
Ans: 5:21
